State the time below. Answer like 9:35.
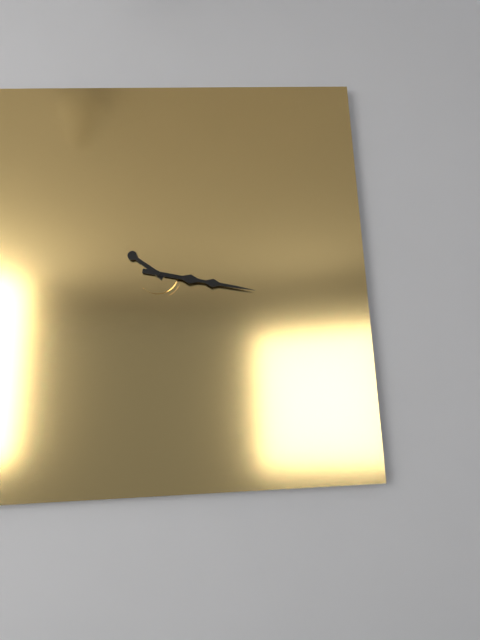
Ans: 10:17
